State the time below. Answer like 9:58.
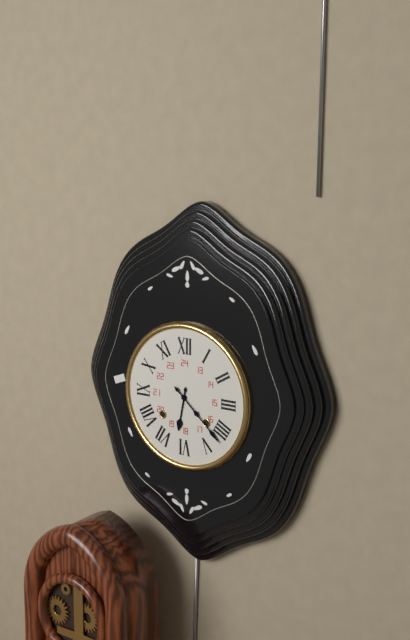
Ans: 6:22
